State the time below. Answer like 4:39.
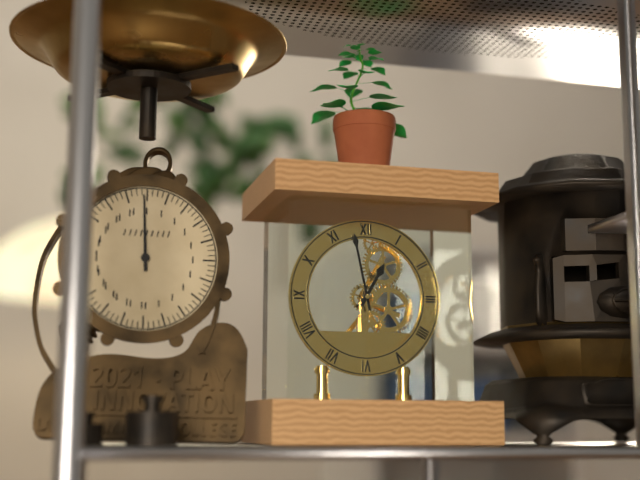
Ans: 12:58
